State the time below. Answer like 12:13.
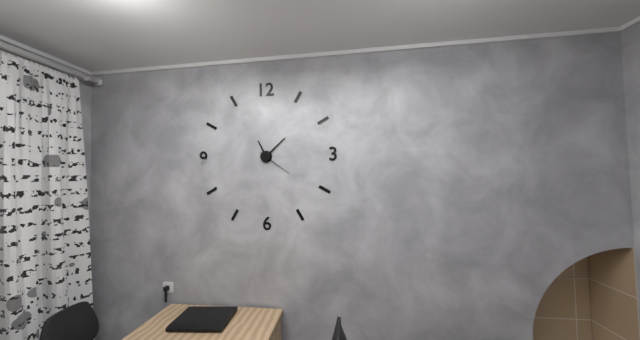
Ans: 11:08
